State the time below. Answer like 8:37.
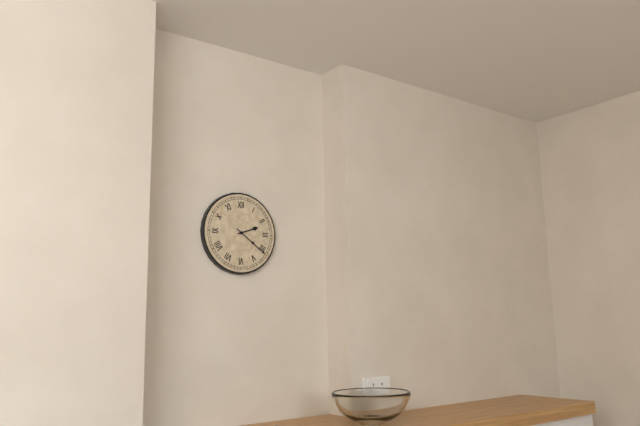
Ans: 2:21
